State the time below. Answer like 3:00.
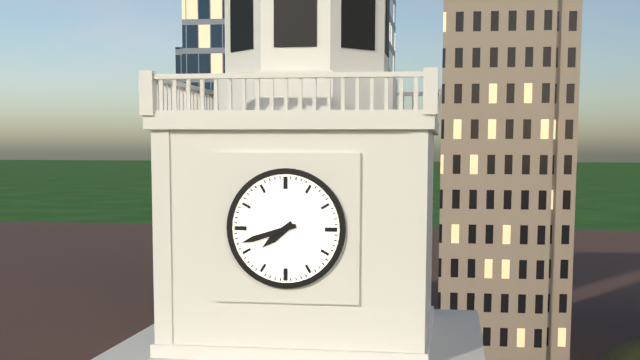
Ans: 7:42
